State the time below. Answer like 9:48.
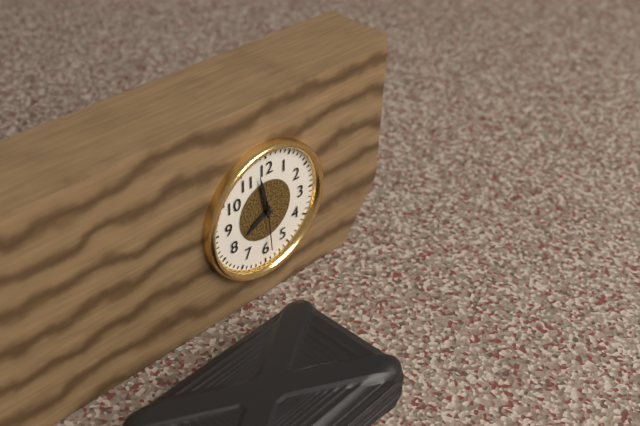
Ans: 7:58
